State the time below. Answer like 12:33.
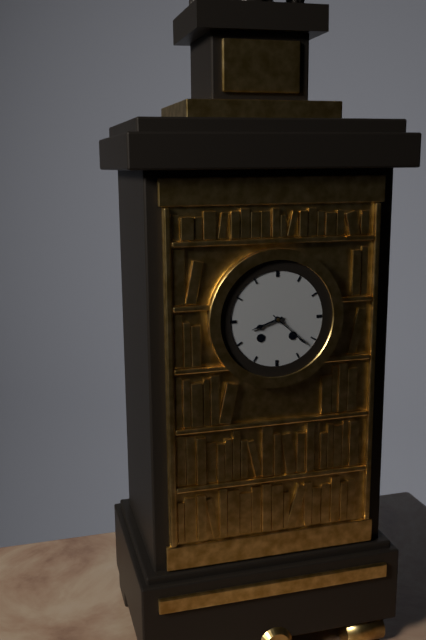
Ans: 8:22
